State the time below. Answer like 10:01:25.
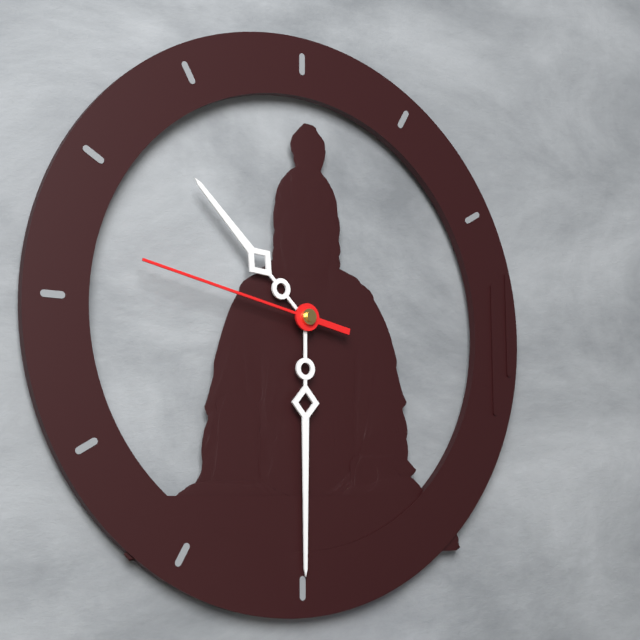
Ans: 10:30:47
